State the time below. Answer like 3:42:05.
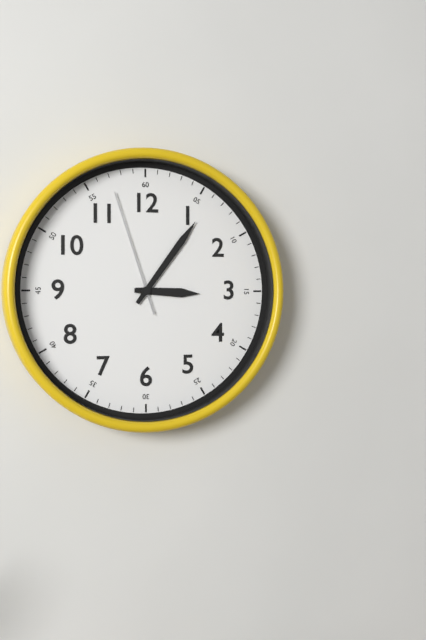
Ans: 3:06:57
